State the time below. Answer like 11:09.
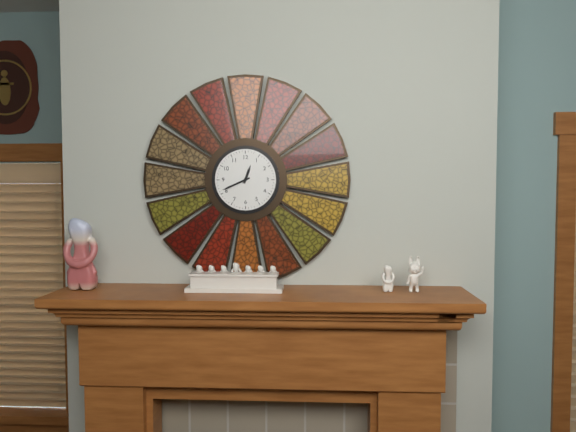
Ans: 12:41
